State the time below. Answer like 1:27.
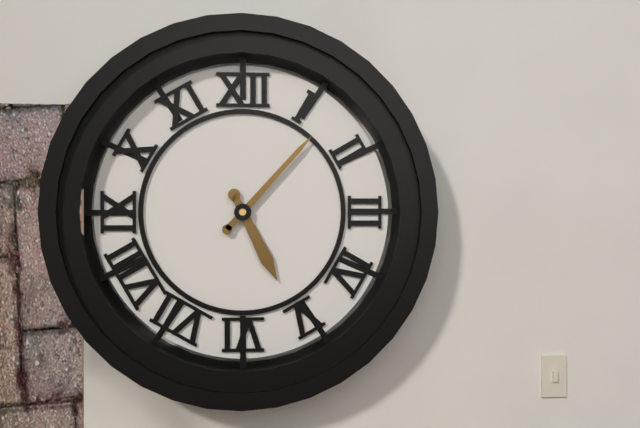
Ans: 5:07
